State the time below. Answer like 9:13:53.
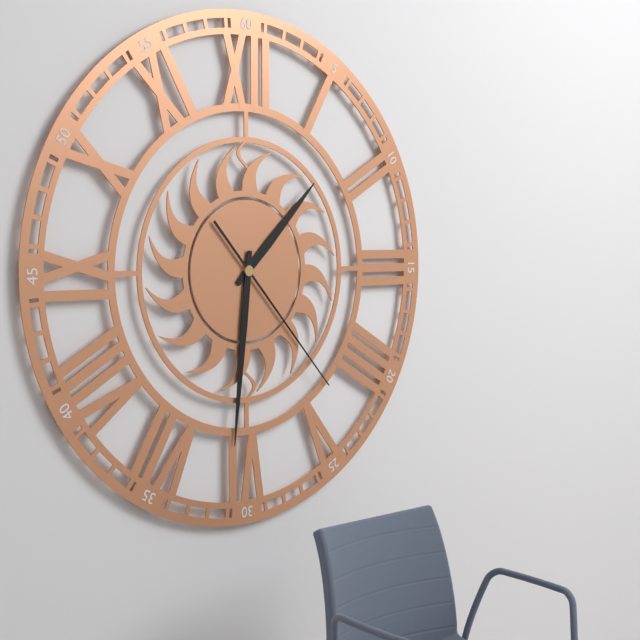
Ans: 1:31:23
